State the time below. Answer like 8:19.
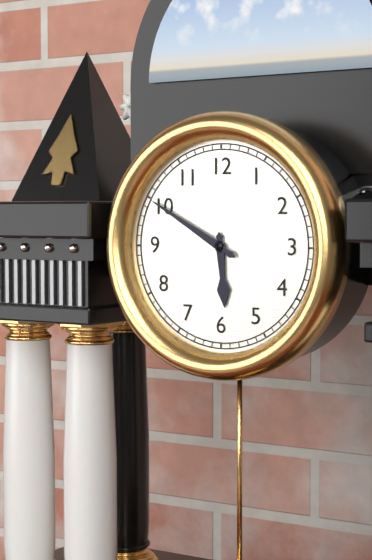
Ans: 5:50
